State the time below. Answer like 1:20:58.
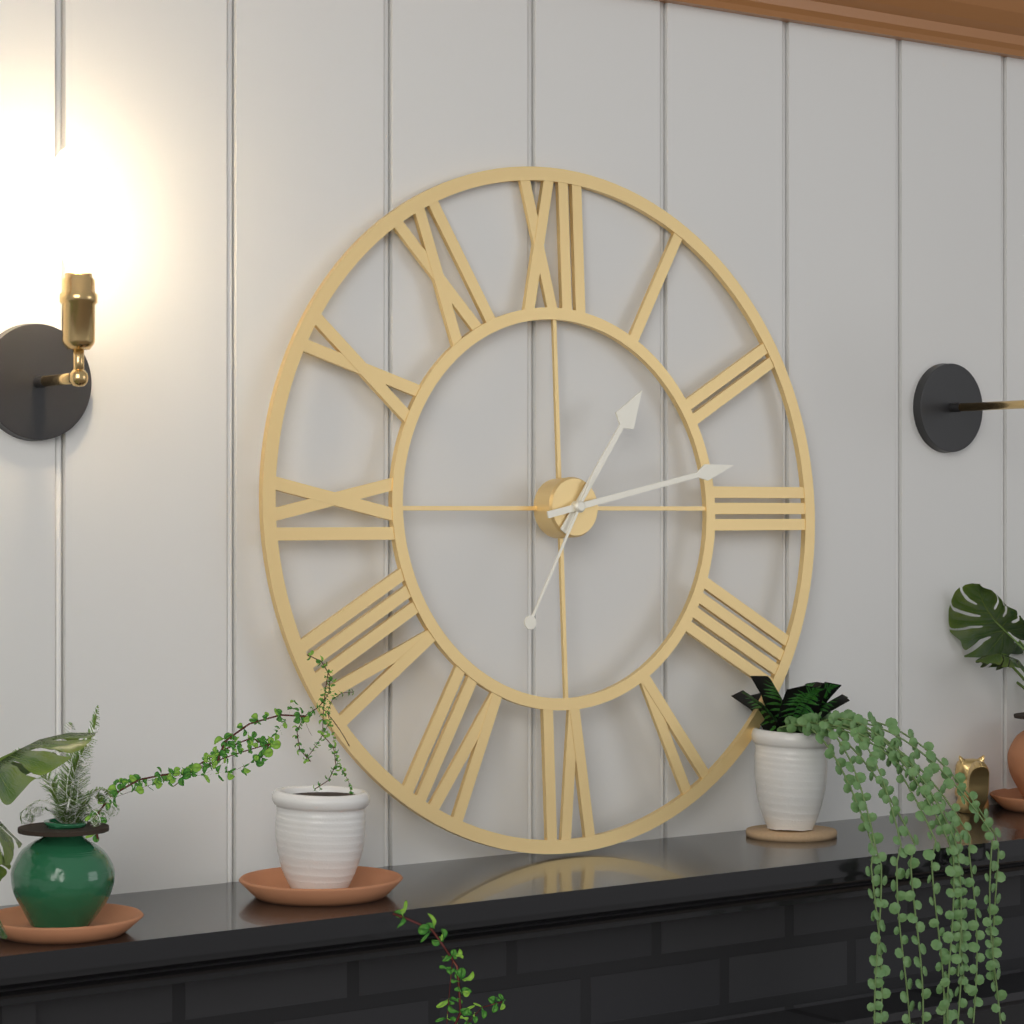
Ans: 1:13:35
